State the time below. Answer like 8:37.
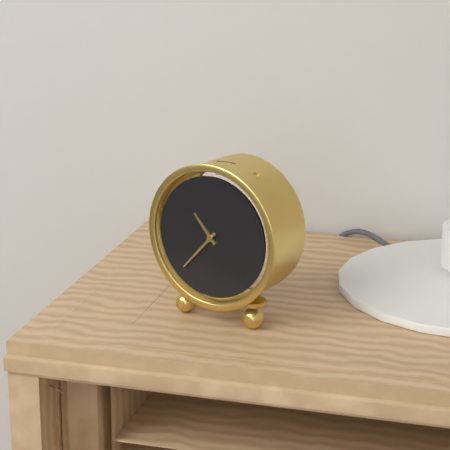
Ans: 10:37
